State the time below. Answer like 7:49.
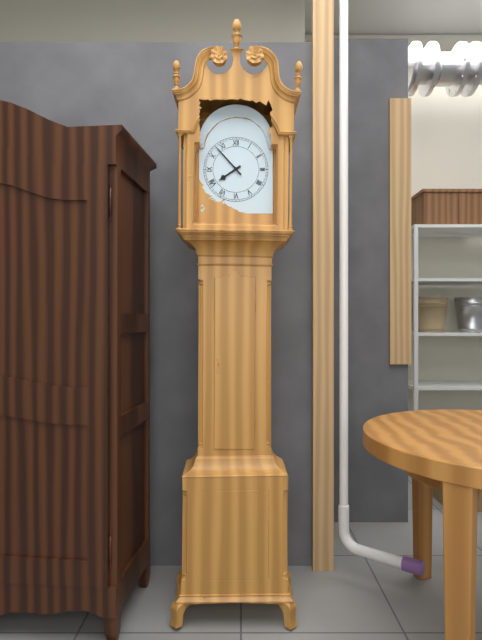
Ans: 7:53
